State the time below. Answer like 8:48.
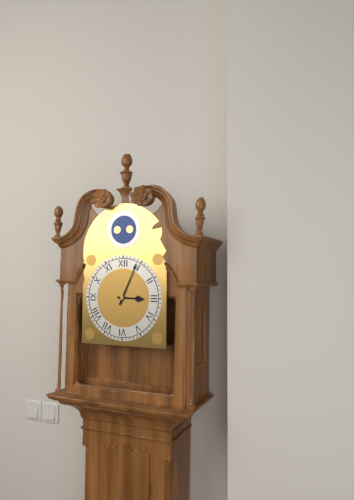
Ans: 3:04
